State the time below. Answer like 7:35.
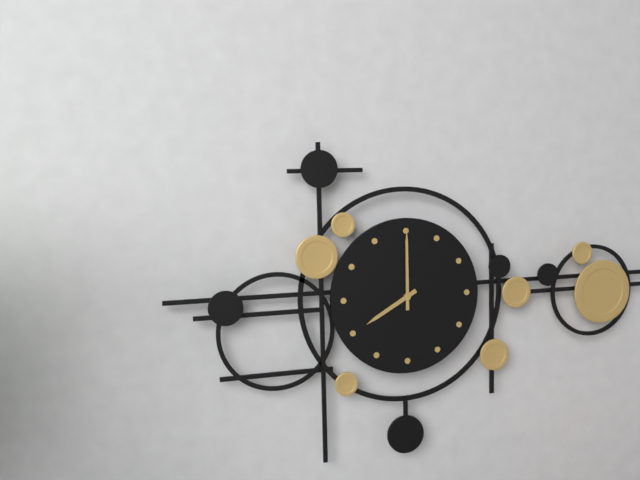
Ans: 8:00
